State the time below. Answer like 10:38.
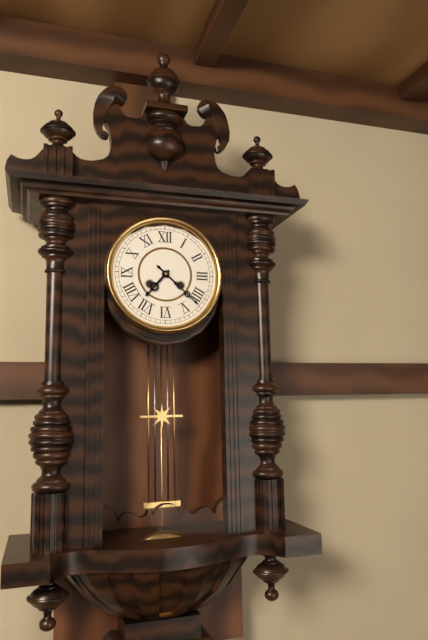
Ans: 7:22
